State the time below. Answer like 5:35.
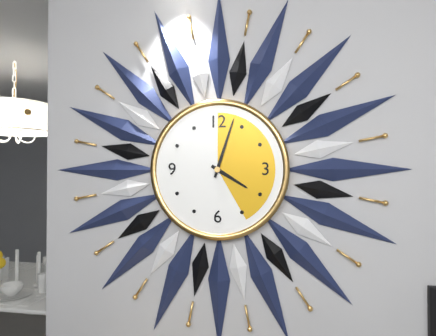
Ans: 4:03
